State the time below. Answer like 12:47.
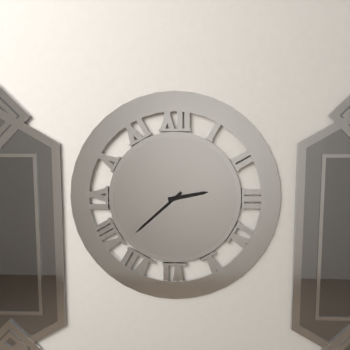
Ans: 2:38
